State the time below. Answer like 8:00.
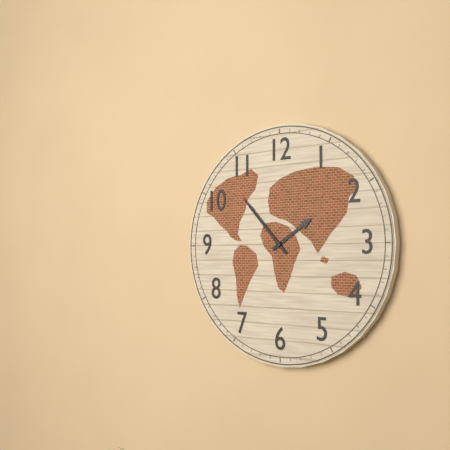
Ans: 1:53
